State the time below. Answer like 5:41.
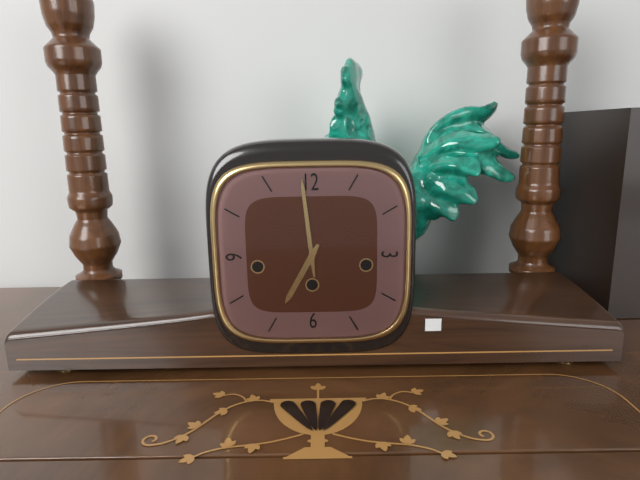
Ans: 6:59
